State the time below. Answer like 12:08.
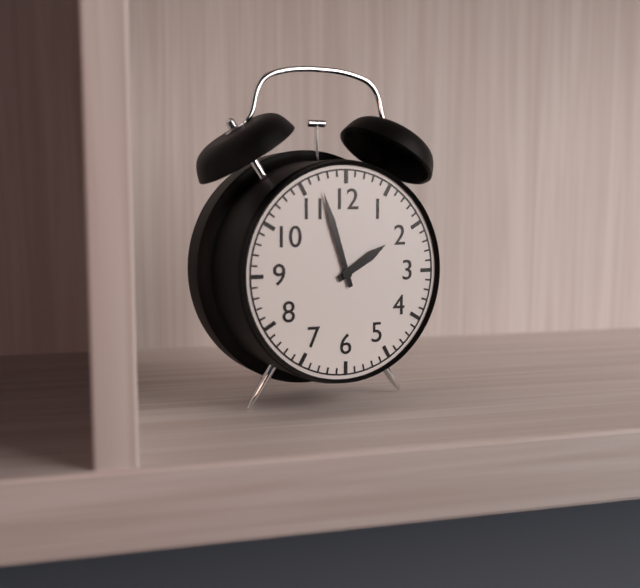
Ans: 1:57
